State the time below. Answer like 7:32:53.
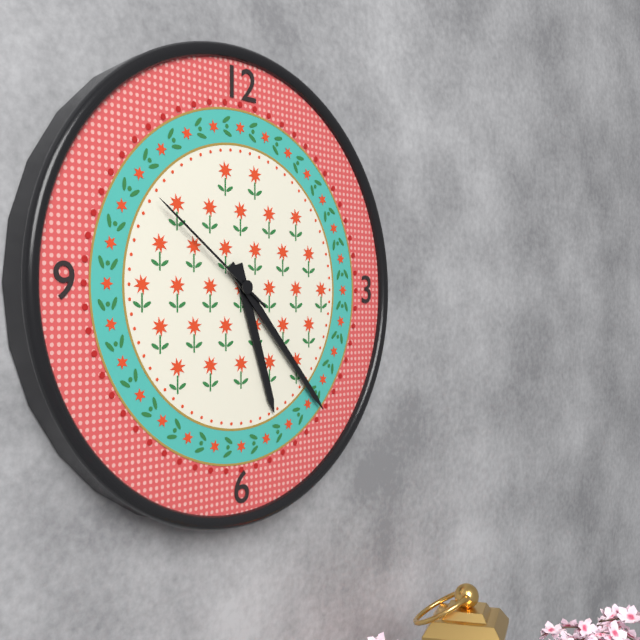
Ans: 5:23:51
